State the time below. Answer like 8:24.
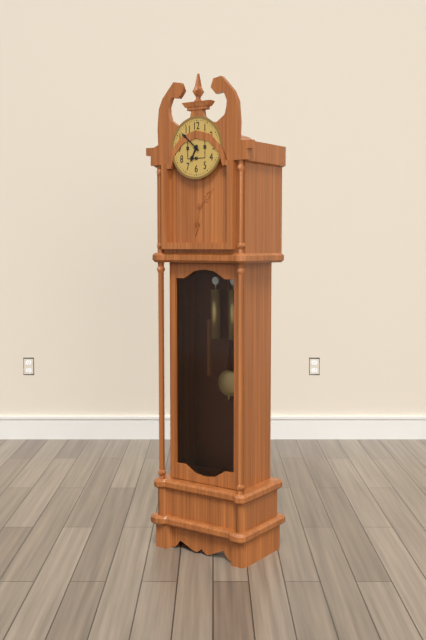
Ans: 6:52
